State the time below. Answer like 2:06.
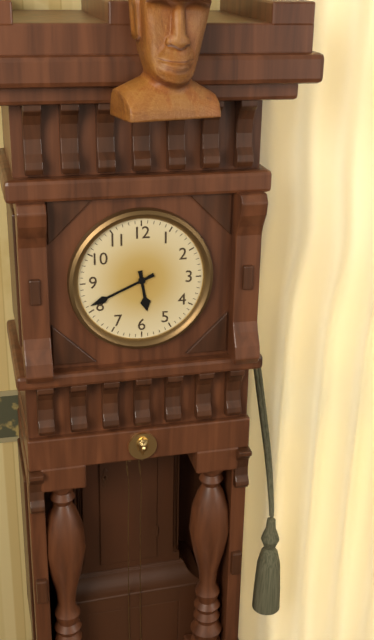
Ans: 5:41
